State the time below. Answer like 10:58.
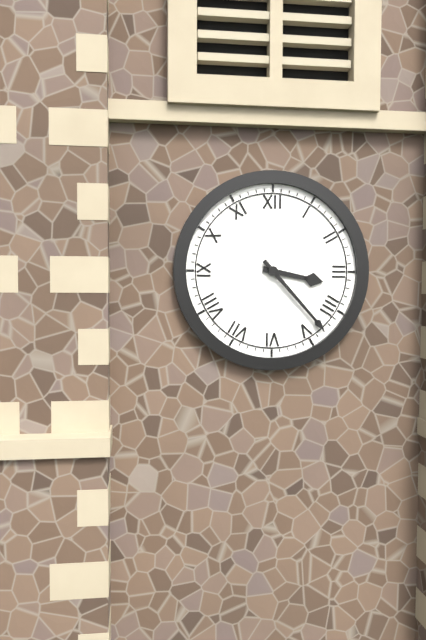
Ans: 3:23
